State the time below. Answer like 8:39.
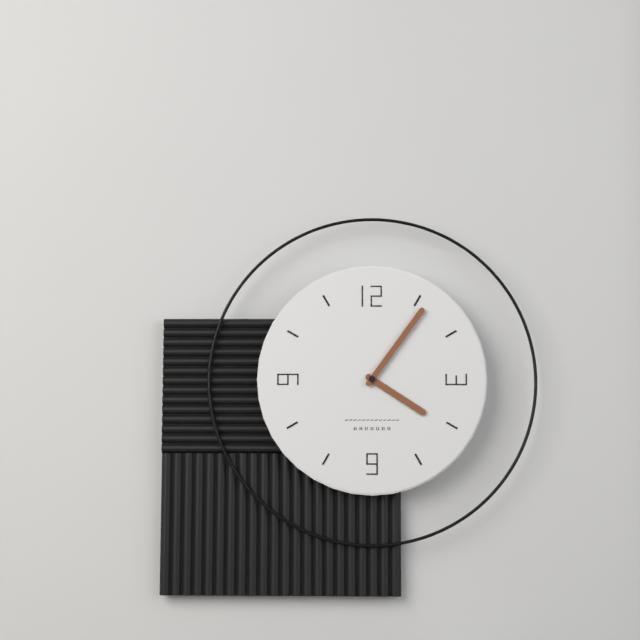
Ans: 4:06
